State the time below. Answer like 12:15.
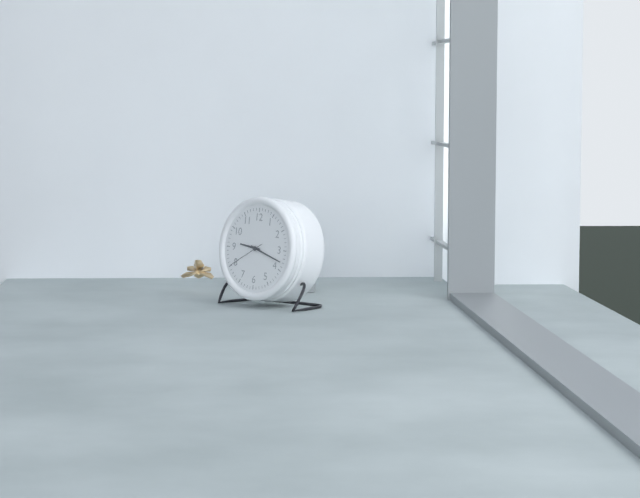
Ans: 9:18
